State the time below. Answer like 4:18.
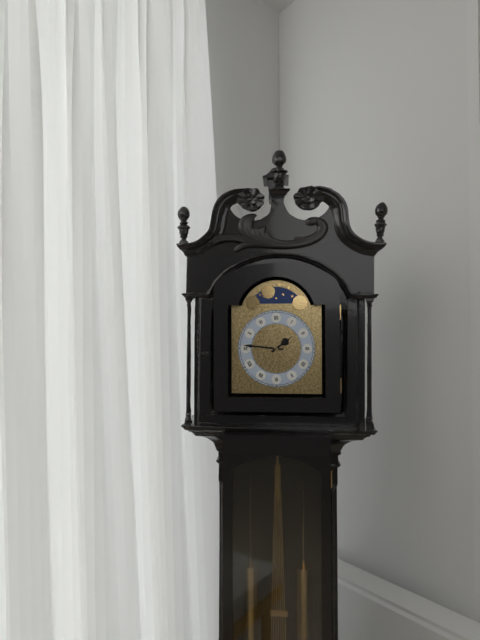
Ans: 1:46
